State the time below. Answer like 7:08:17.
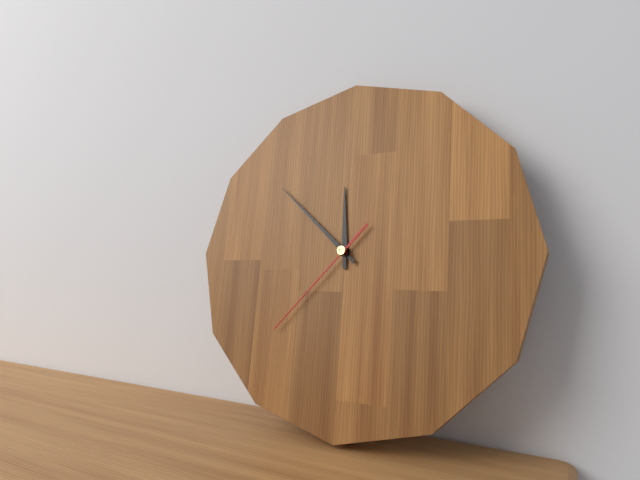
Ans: 11:52:37
